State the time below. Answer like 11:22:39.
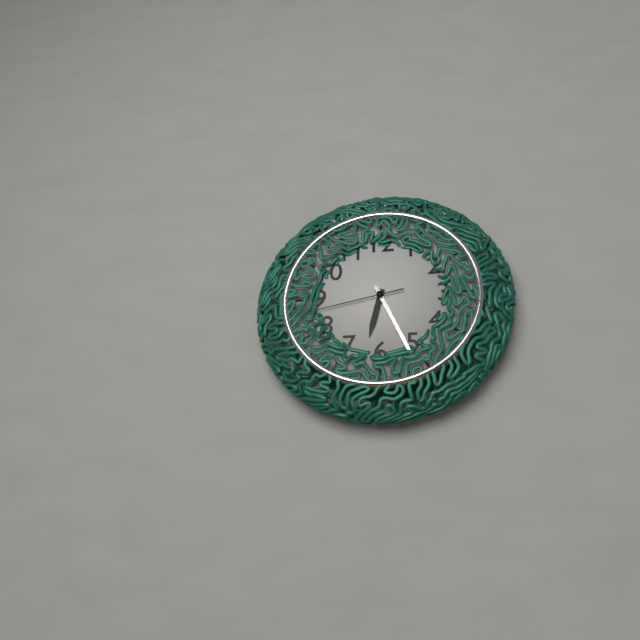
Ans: 6:26:43
